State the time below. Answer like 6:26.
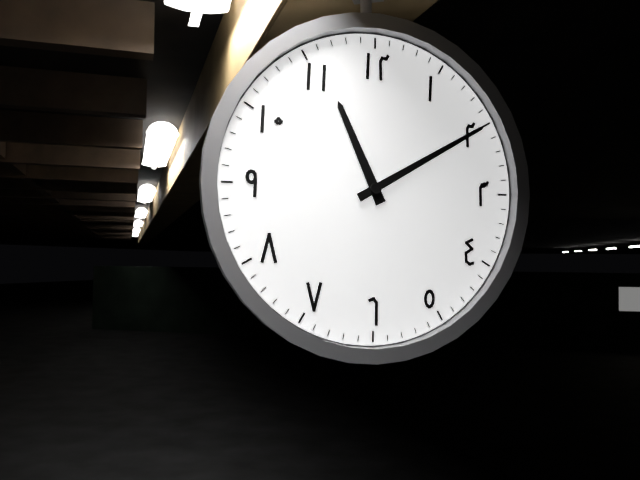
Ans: 11:10
